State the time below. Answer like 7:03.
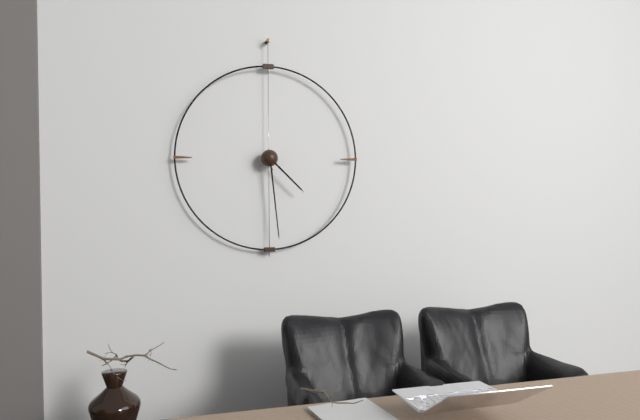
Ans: 4:29
